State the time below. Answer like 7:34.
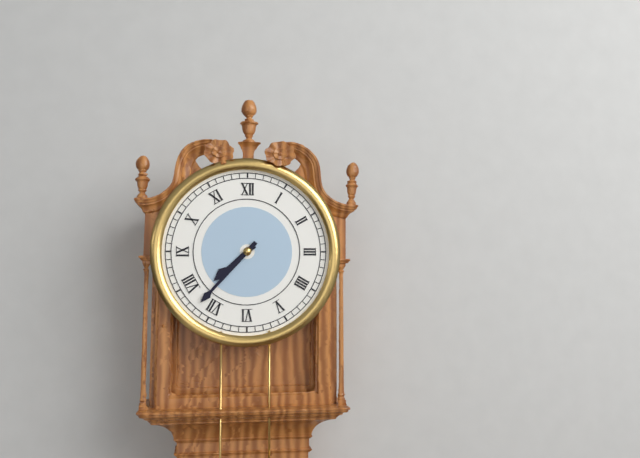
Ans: 7:37
